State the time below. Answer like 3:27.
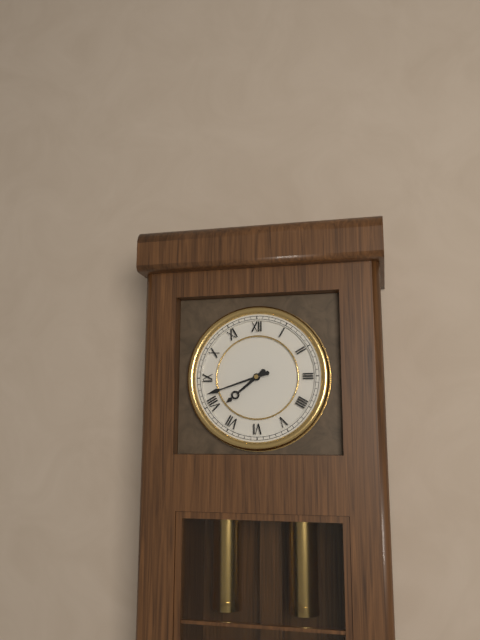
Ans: 7:42
